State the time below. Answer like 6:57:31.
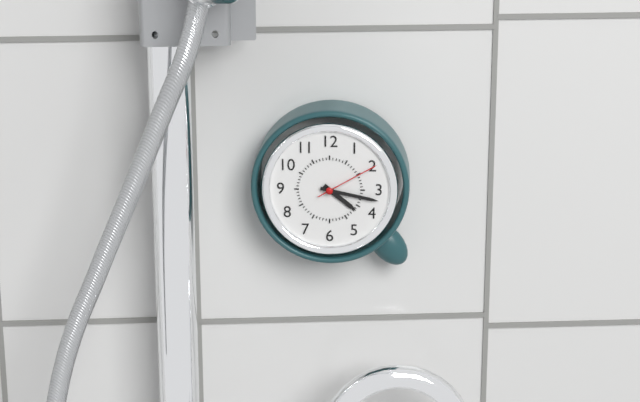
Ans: 4:17:10
